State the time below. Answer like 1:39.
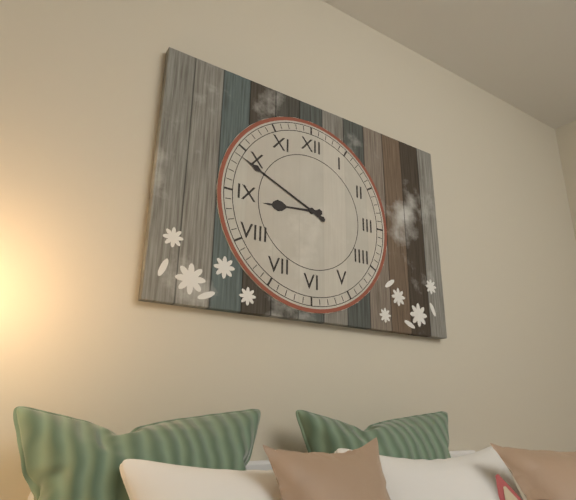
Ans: 8:49
